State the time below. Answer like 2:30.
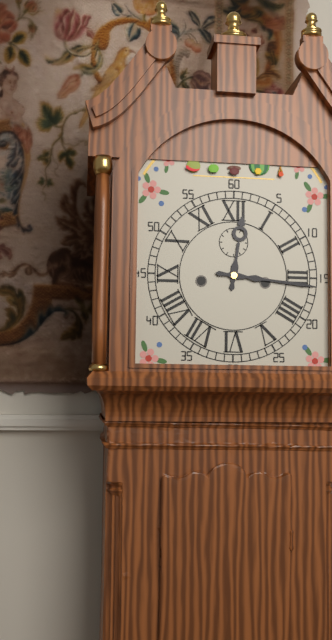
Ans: 12:16
